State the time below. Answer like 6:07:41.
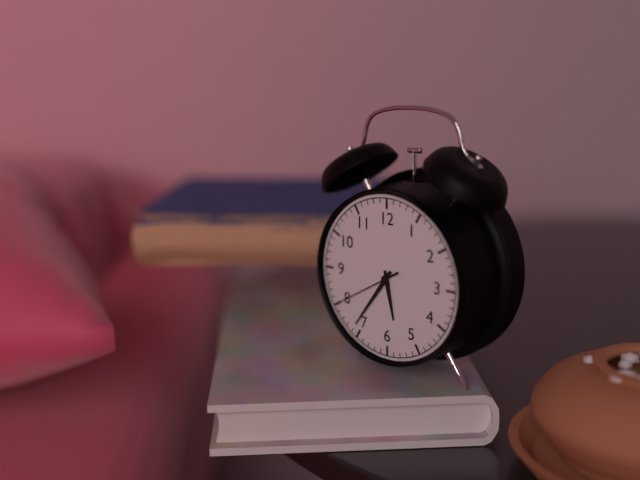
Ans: 5:36:40
